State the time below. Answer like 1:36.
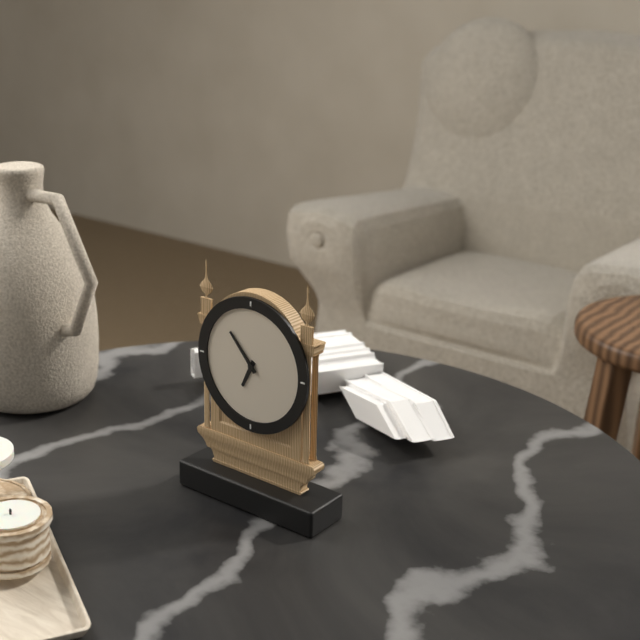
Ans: 6:53
